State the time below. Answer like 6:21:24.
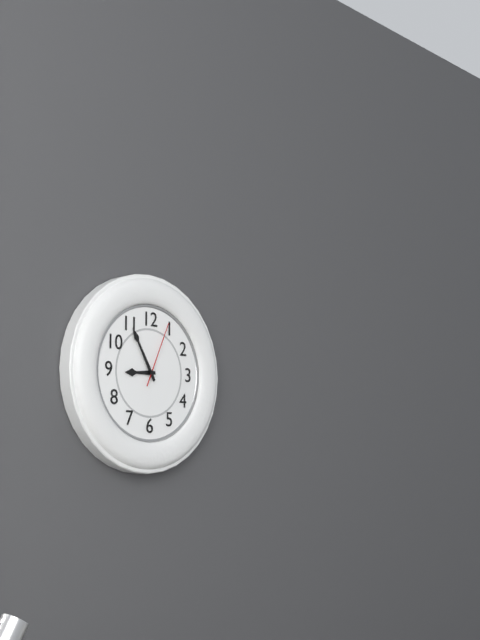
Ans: 8:55:04
